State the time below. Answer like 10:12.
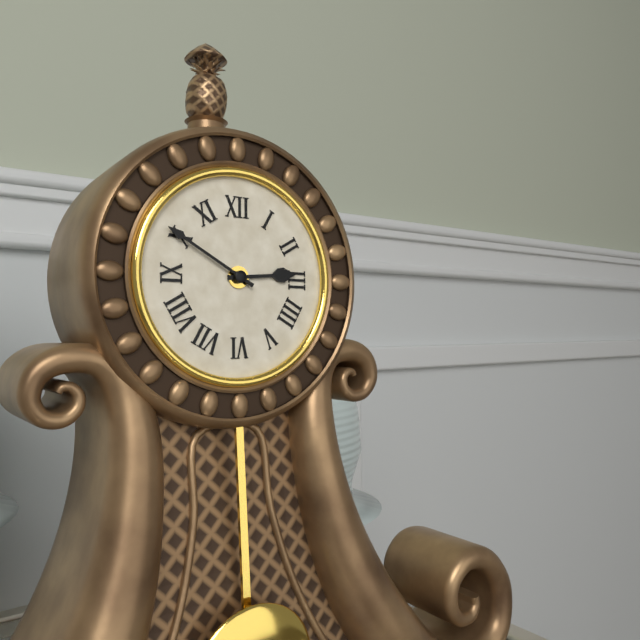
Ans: 2:50
